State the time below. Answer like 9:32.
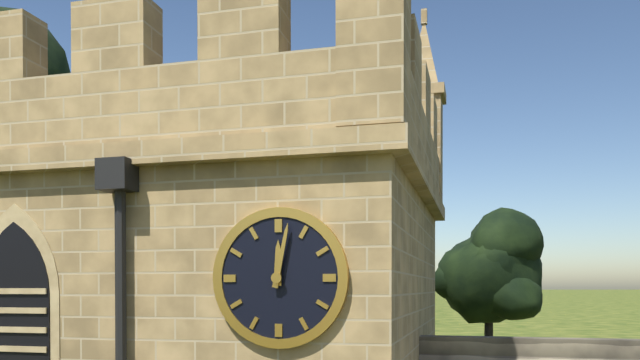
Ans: 12:02
